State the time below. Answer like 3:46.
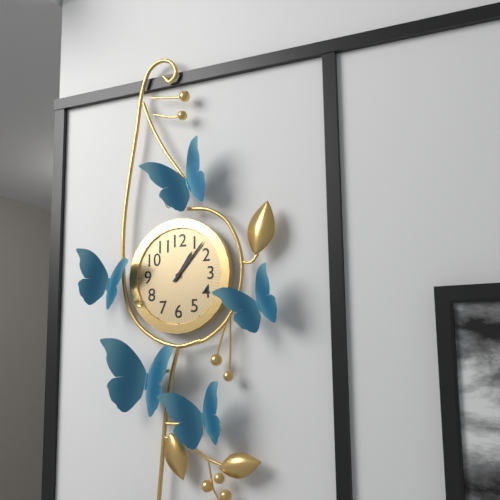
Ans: 1:07
